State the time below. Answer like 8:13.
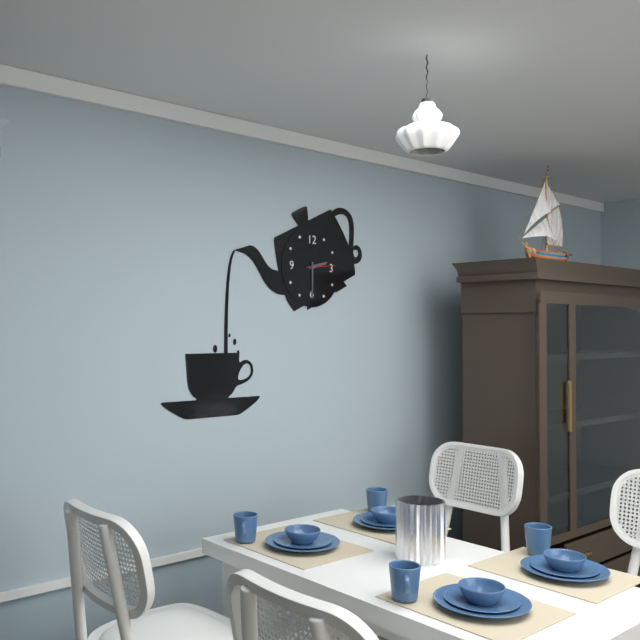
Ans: 2:30
